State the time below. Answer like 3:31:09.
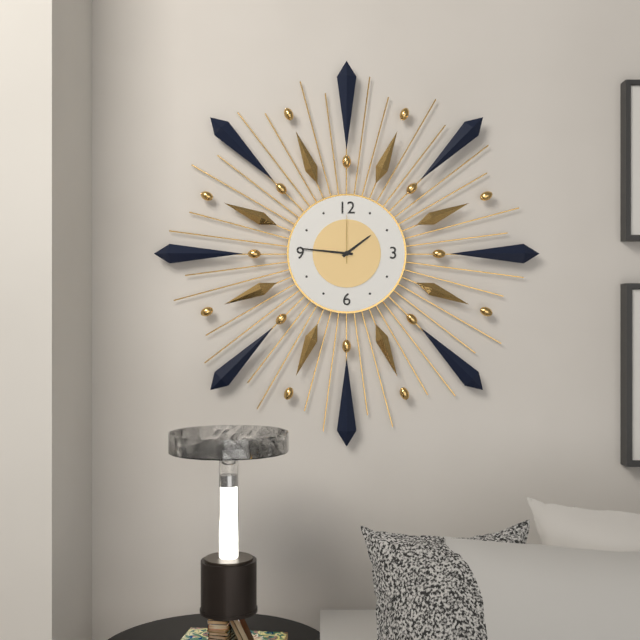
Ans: 1:46:00
